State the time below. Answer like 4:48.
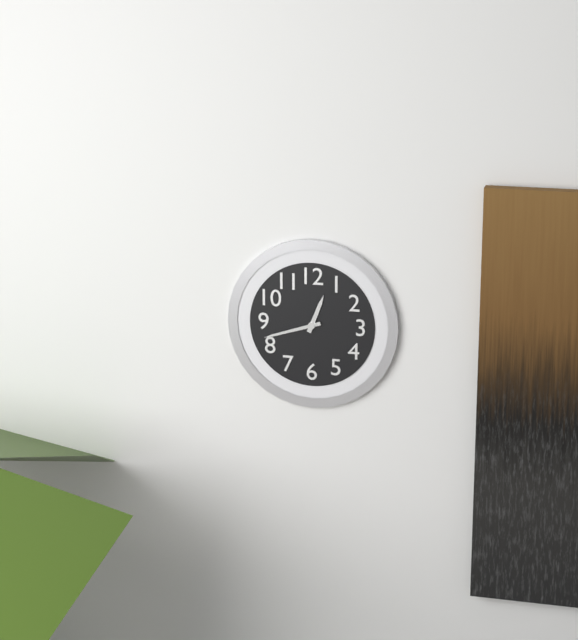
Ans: 12:42
